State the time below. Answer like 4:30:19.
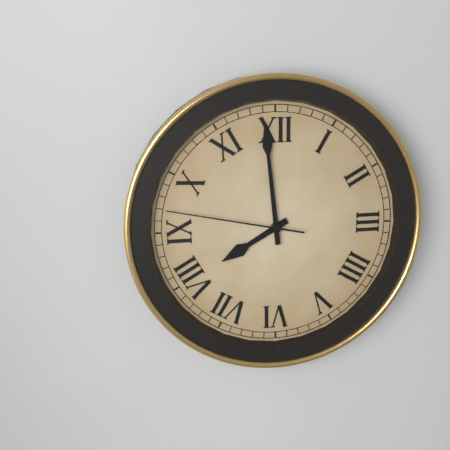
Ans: 7:59:47
